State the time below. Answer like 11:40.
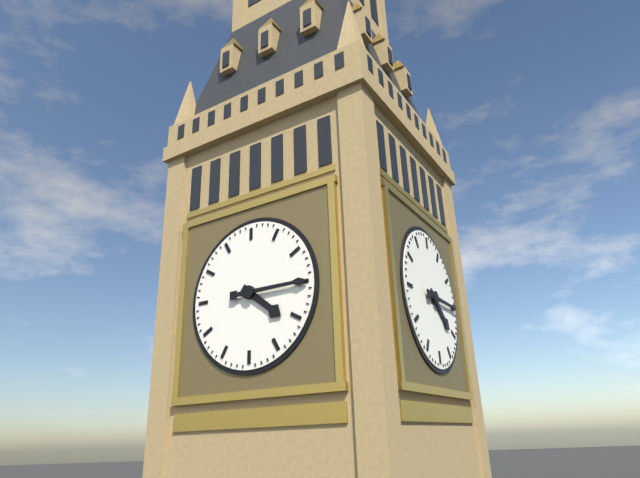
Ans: 4:15
